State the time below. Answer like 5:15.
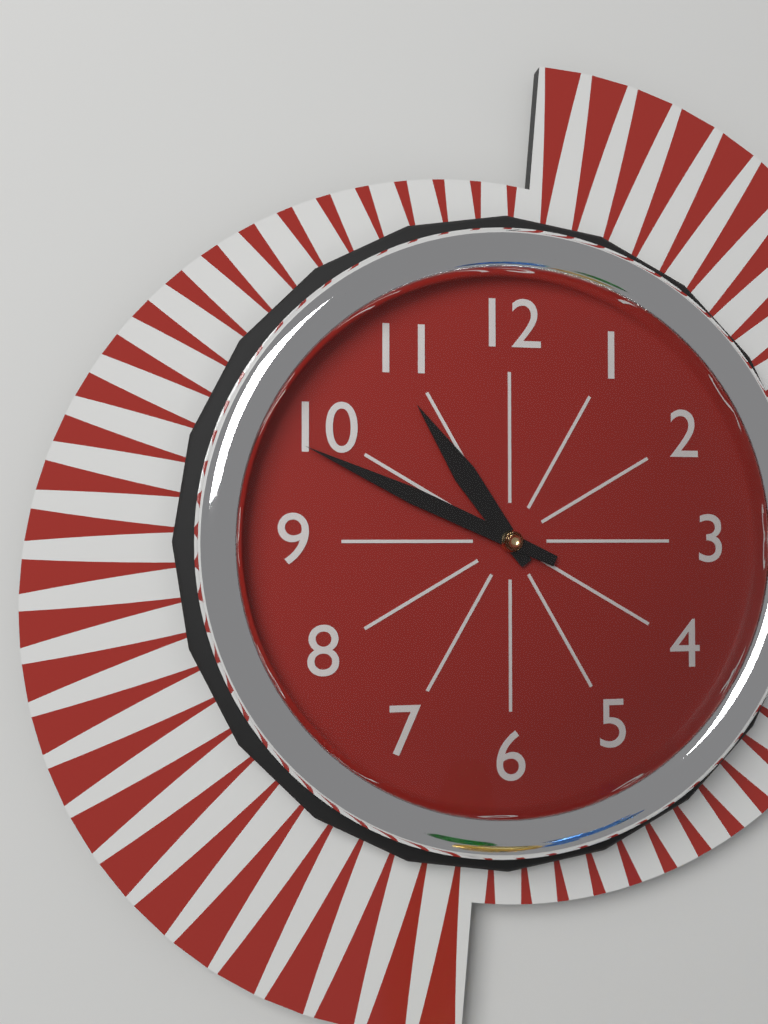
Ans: 10:49
